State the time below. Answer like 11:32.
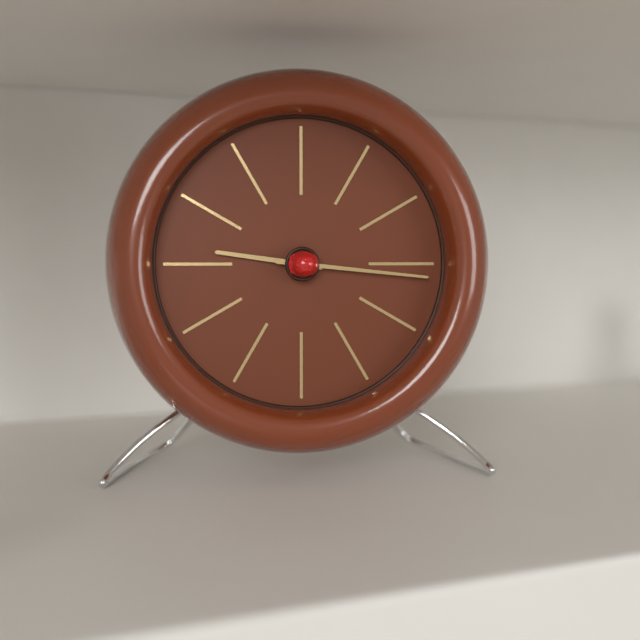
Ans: 9:16
